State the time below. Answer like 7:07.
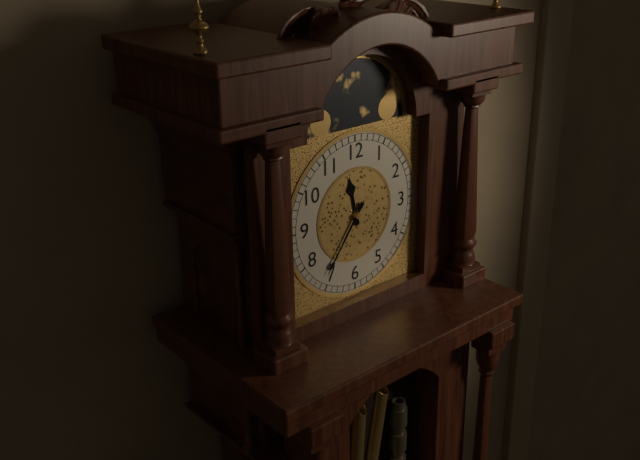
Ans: 11:36
